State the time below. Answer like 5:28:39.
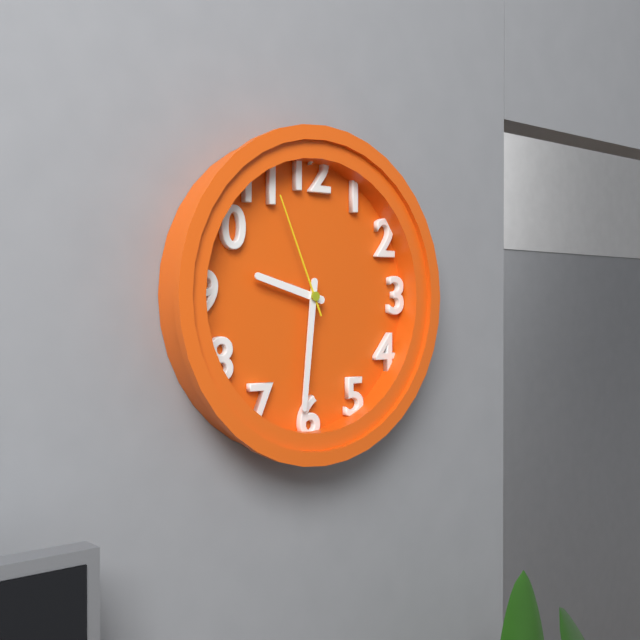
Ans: 9:31:56
